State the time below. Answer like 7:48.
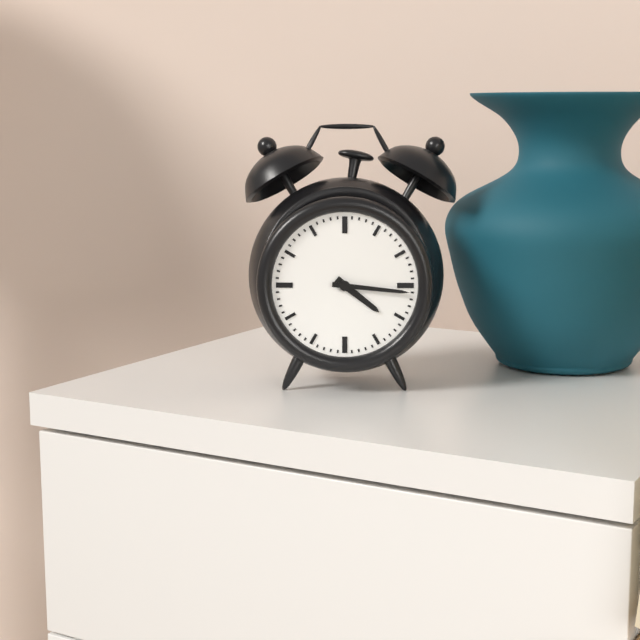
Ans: 4:16
